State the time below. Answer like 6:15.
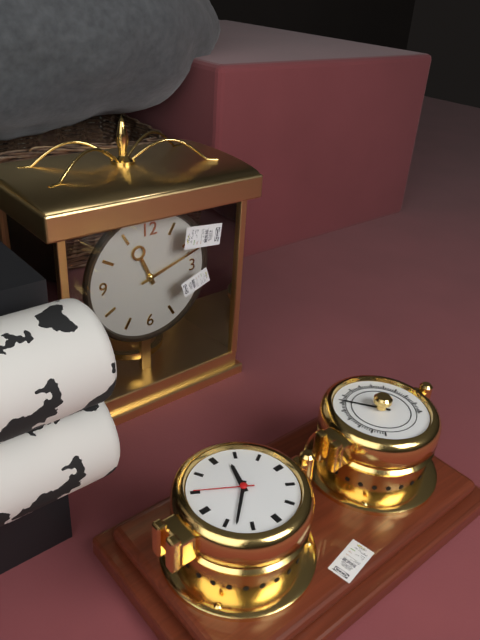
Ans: 11:12
